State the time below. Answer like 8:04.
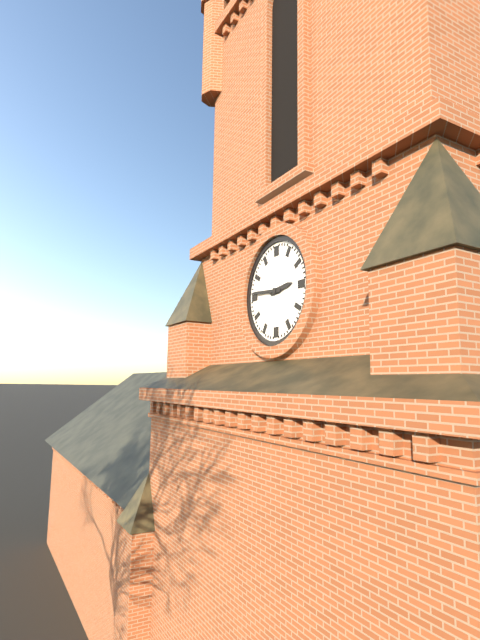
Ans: 2:46
